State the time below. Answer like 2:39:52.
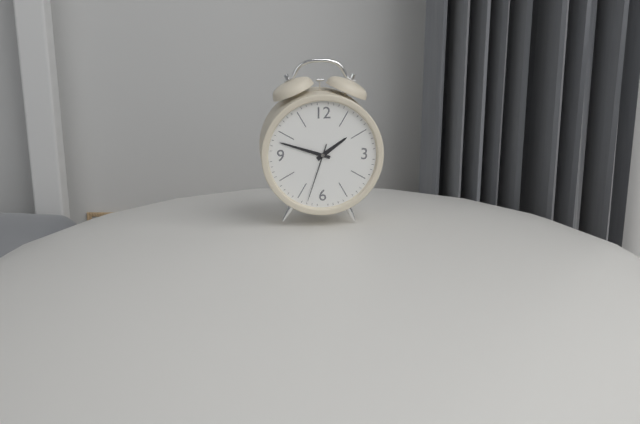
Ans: 1:48:33
